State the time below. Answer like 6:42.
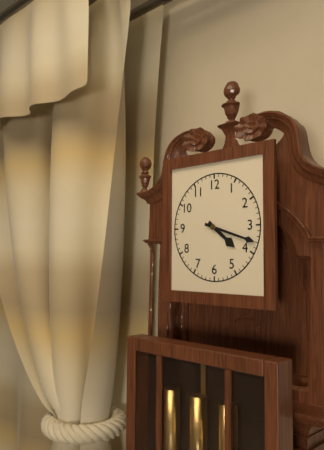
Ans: 4:18
